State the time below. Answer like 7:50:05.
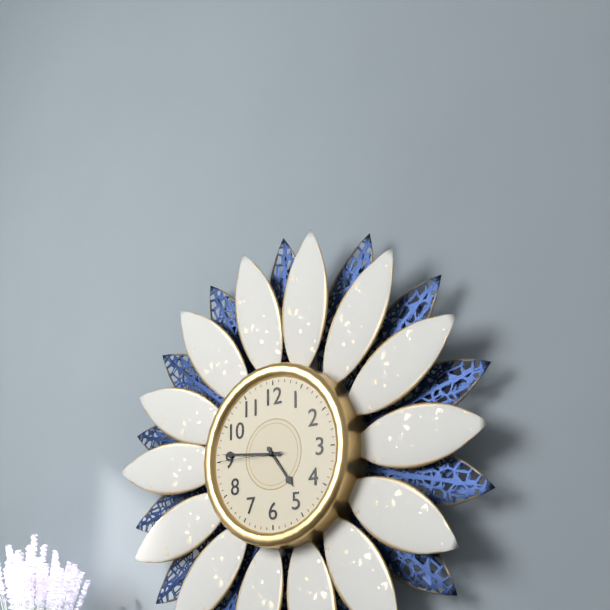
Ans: 4:46:45
